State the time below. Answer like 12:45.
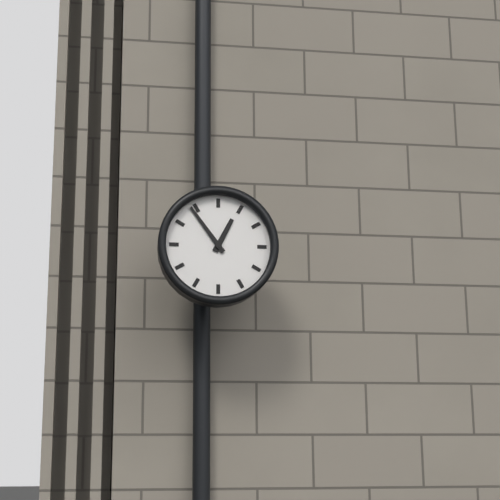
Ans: 12:54
